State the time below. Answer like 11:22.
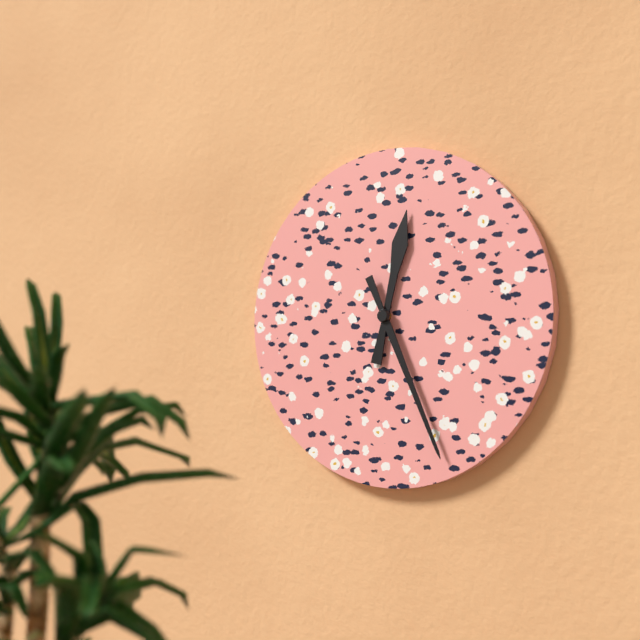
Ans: 12:26
